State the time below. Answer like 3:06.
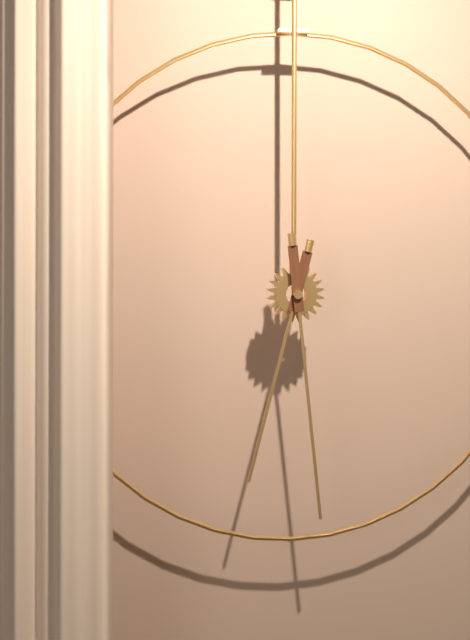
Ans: 6:29
